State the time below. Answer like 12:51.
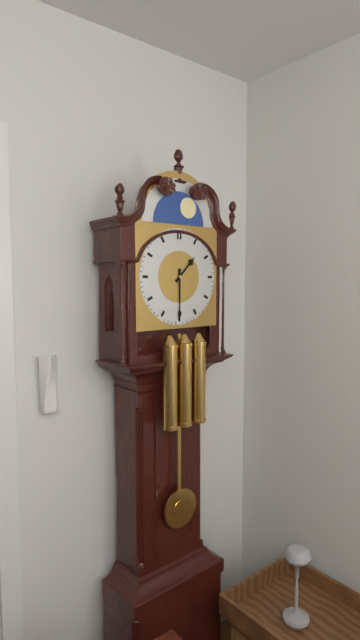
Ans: 1:30
